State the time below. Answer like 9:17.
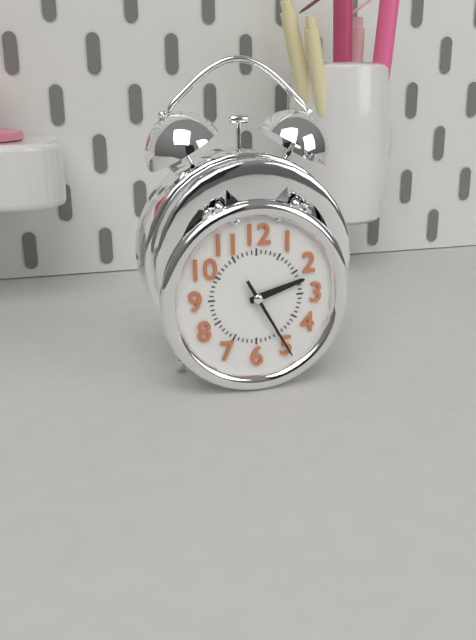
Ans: 2:25
